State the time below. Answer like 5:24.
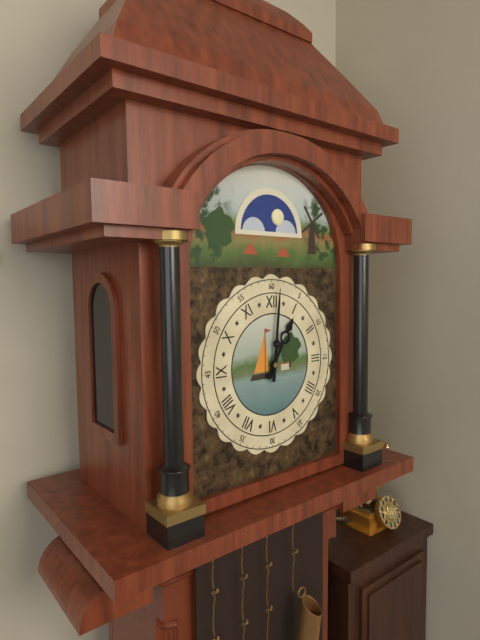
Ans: 1:01
